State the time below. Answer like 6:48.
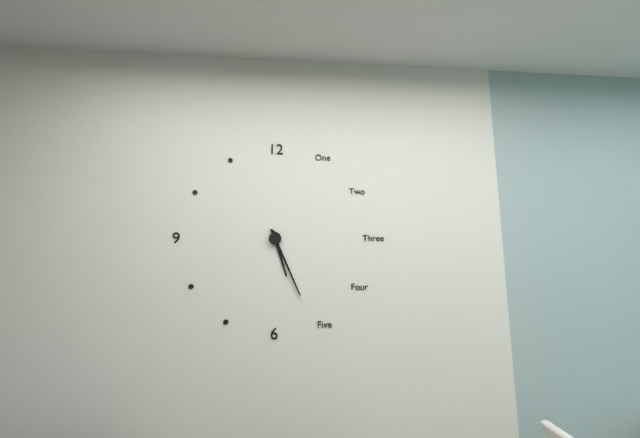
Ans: 5:26
